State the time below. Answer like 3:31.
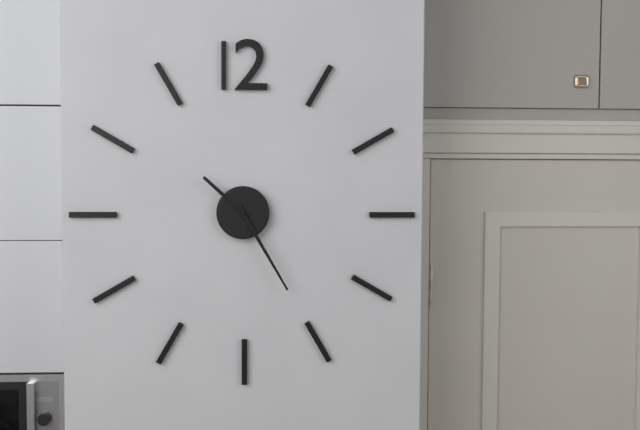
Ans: 10:25
